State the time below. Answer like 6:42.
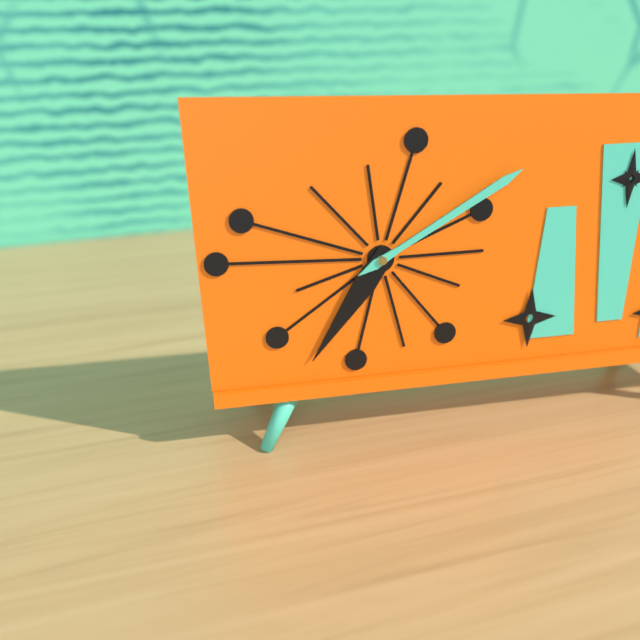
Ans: 7:10
